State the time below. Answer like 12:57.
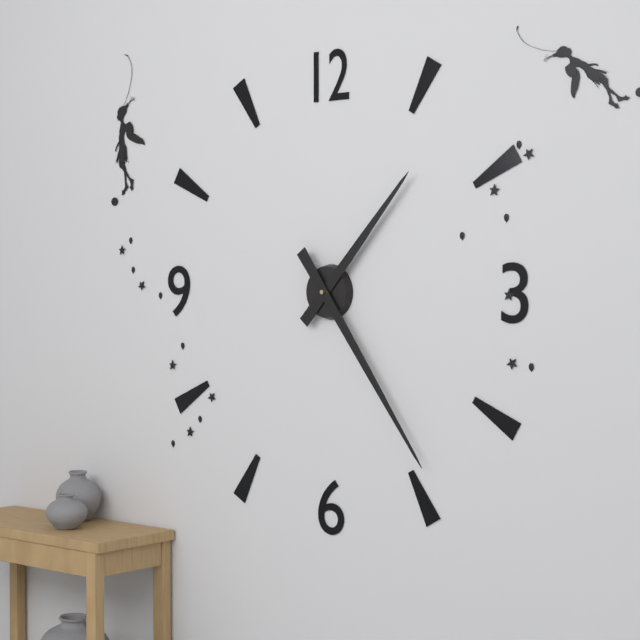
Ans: 1:24
